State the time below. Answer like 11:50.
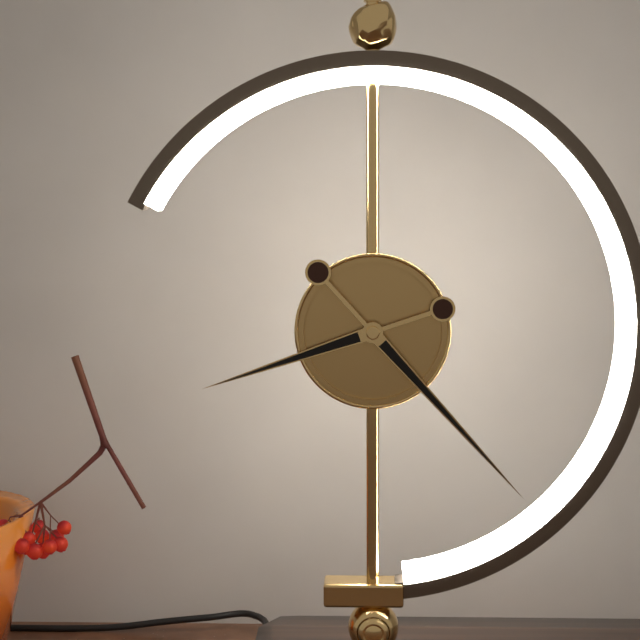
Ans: 8:23
